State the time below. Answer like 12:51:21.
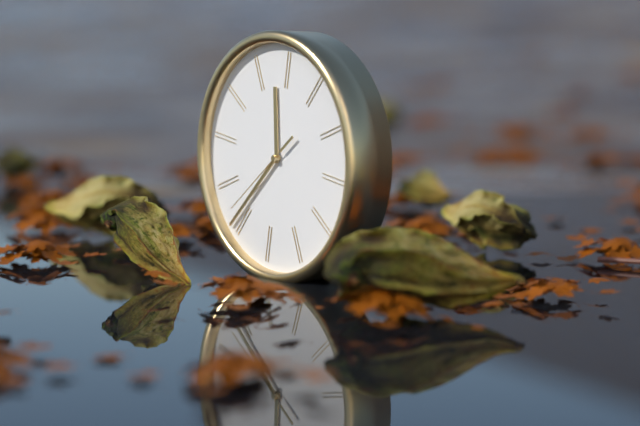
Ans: 11:36:37
